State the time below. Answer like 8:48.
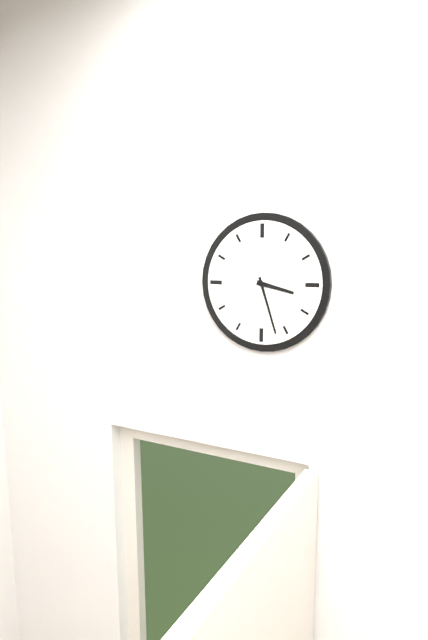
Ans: 3:27
